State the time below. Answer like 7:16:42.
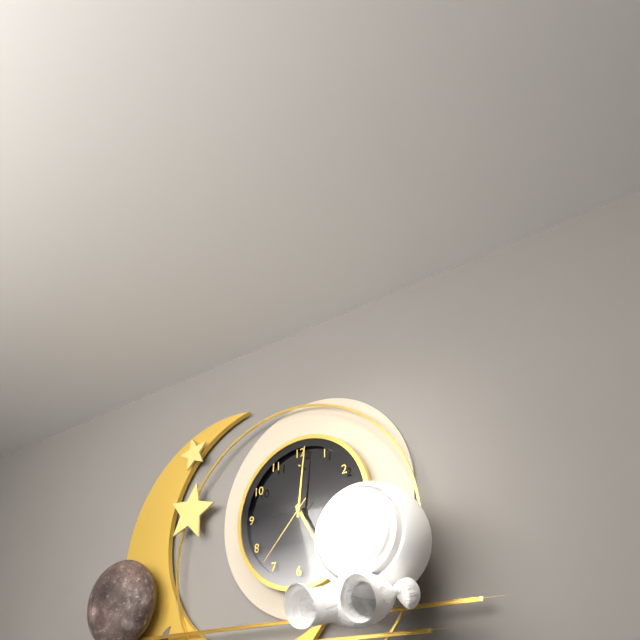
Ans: 5:01:37
